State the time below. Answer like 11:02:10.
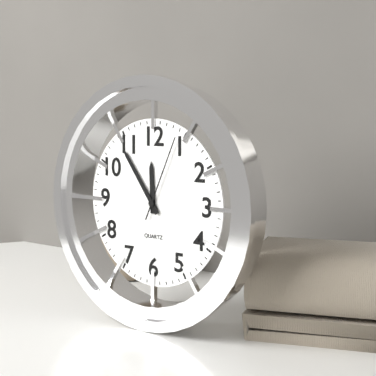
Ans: 11:54:04
